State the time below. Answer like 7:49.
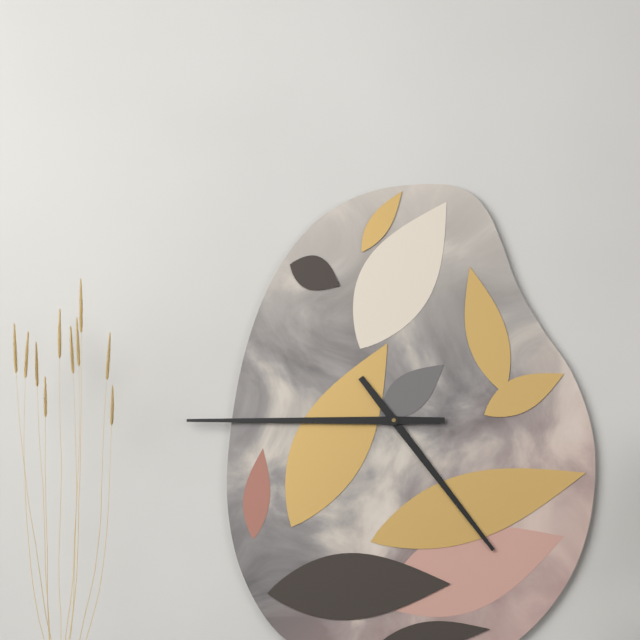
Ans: 4:45
